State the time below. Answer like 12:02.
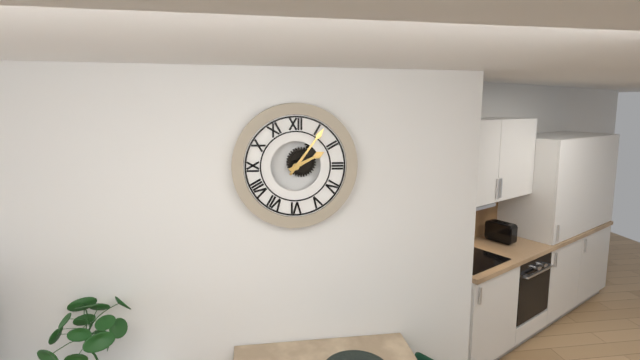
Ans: 2:06
